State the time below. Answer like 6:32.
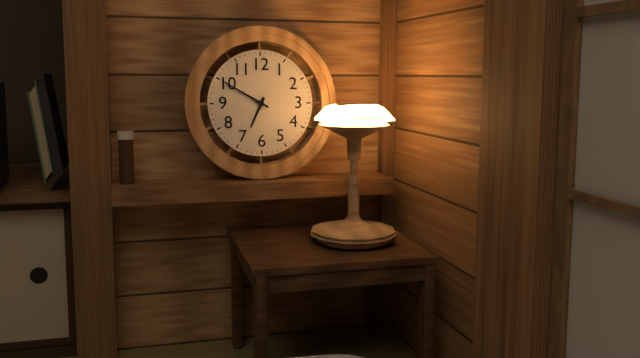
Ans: 6:50
